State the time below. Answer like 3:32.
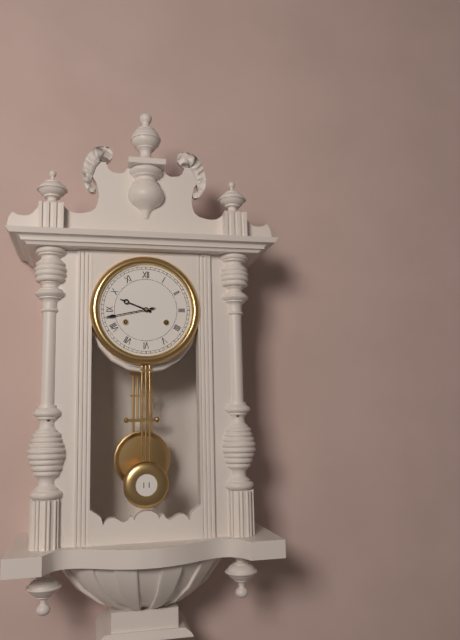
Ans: 9:43
